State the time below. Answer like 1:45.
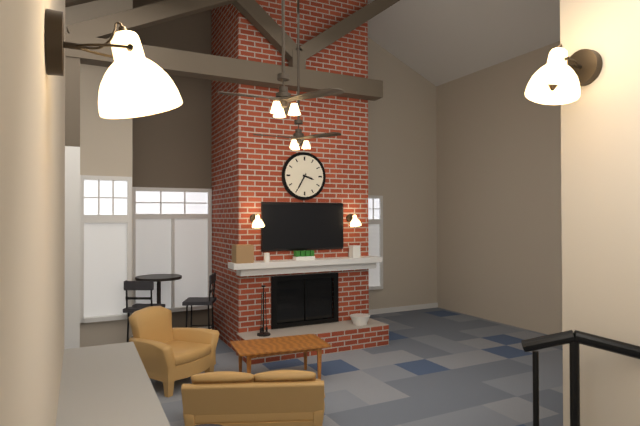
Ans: 3:35
